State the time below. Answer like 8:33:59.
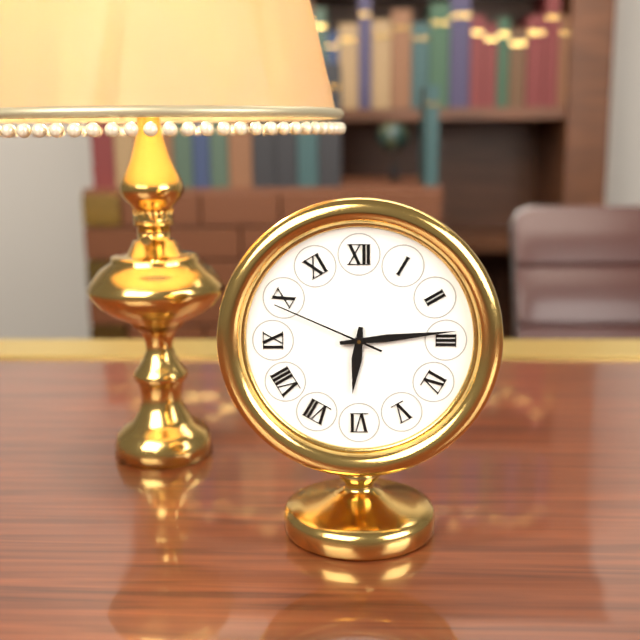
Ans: 6:14:49
